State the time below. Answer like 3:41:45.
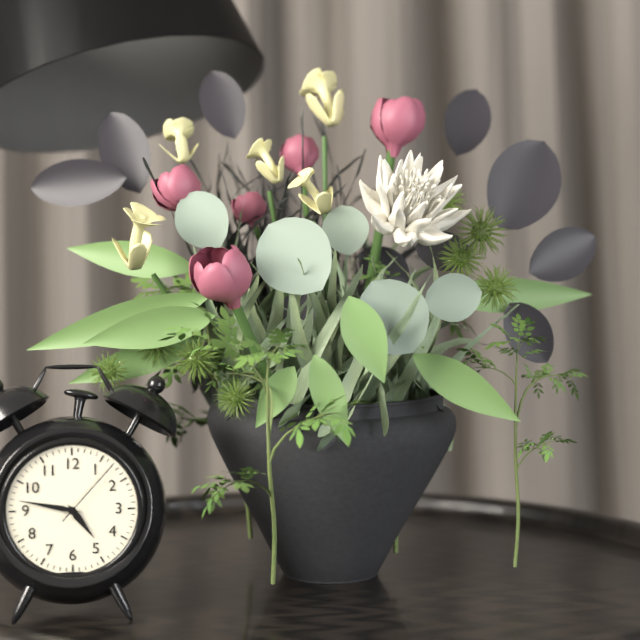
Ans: 4:47:07
